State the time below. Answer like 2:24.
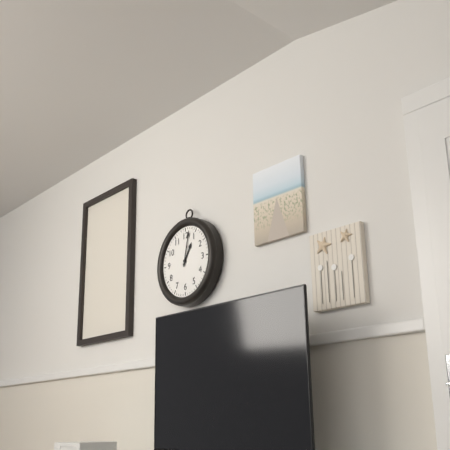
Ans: 1:02
